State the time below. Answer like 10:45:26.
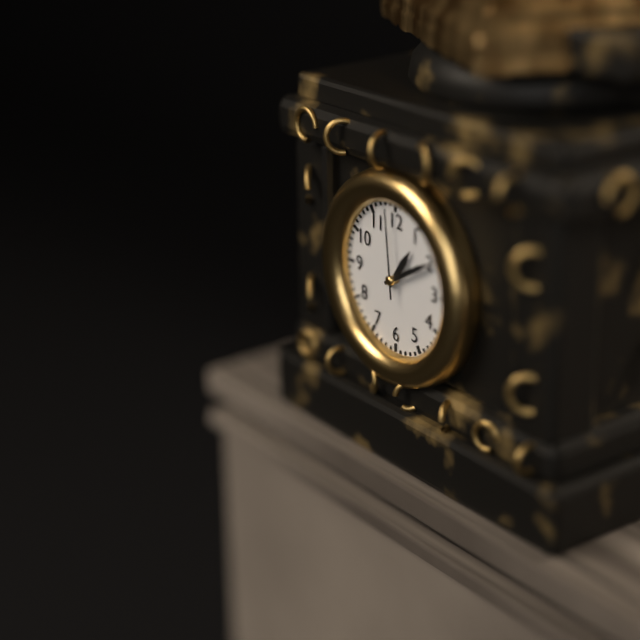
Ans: 1:10:59
